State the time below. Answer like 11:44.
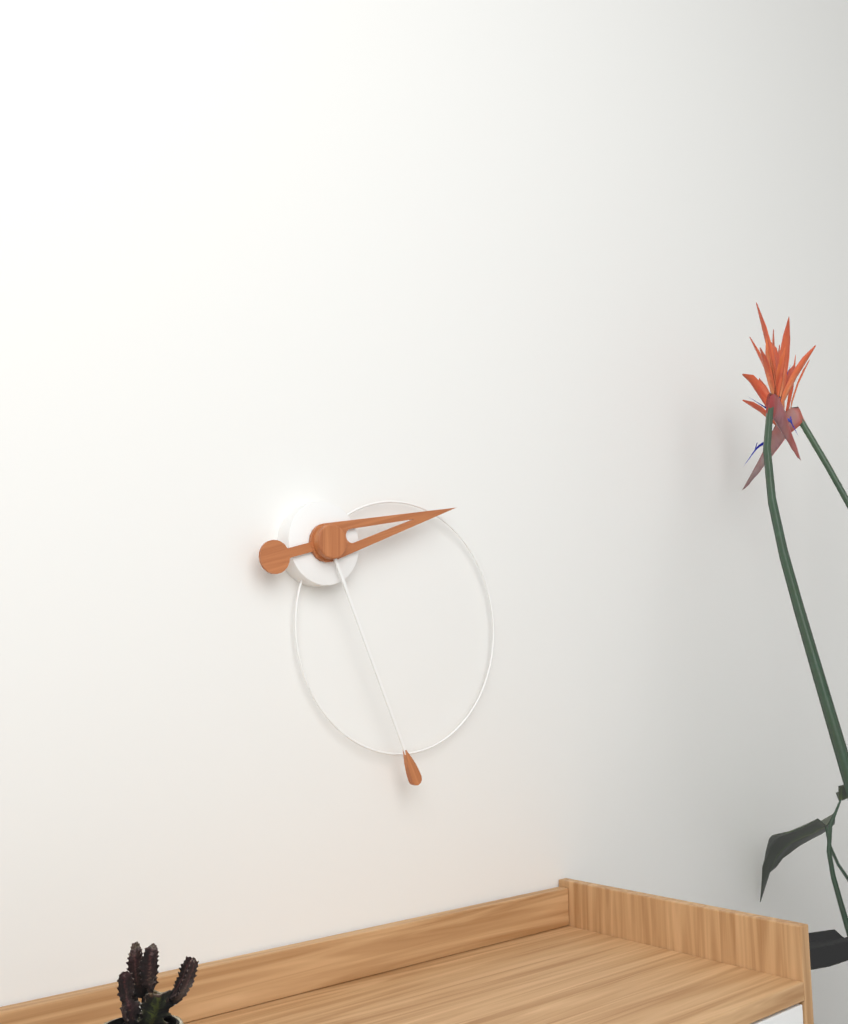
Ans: 2:26
